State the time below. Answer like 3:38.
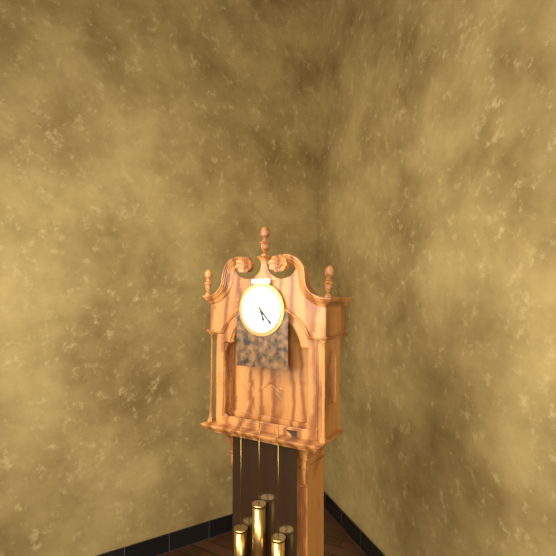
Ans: 5:23
